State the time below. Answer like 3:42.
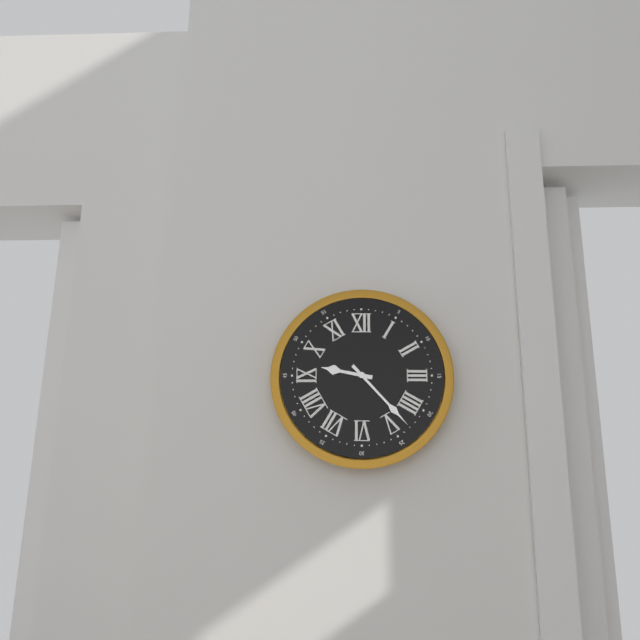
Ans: 9:23
